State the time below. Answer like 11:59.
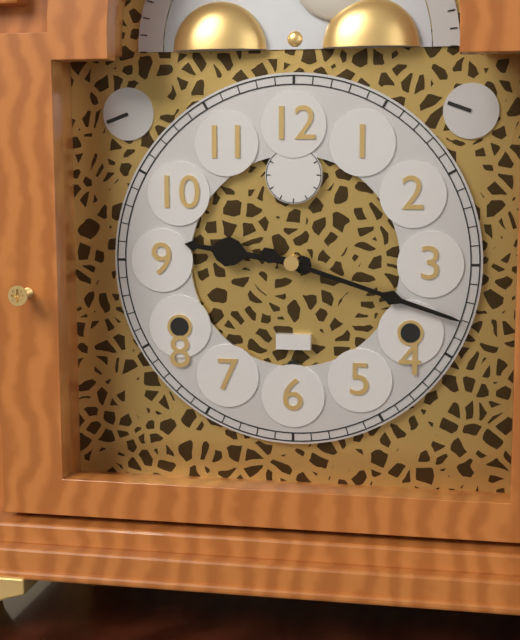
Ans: 9:18
